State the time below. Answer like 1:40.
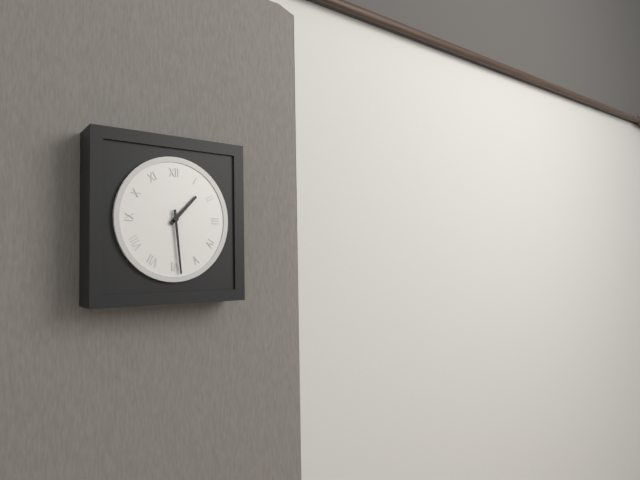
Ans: 1:29
